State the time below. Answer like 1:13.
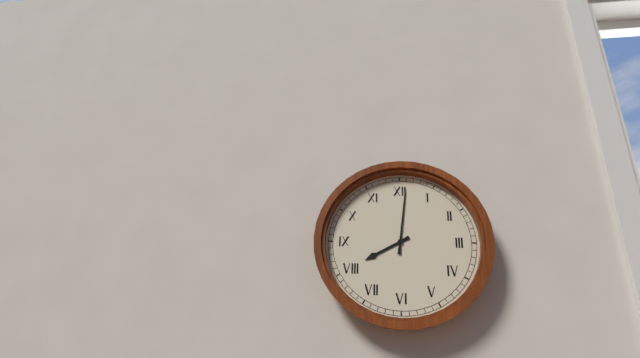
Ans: 8:01
